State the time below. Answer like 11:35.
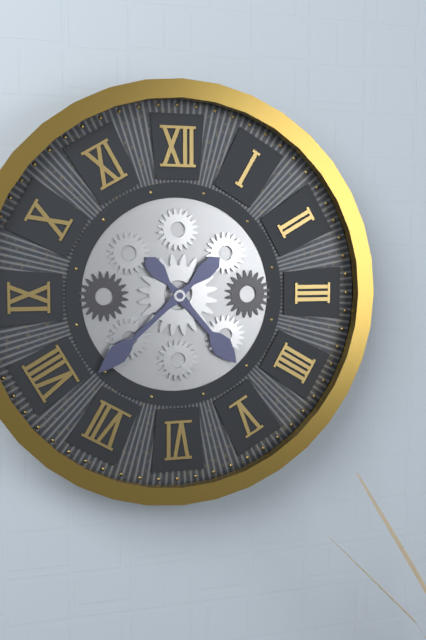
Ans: 4:38
